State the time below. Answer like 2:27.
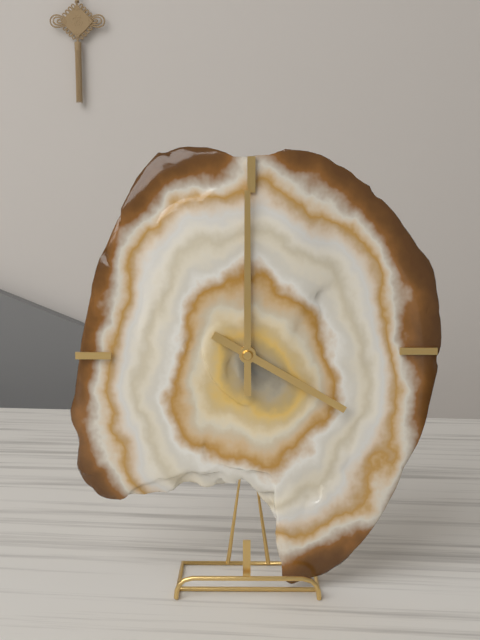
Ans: 4:00
